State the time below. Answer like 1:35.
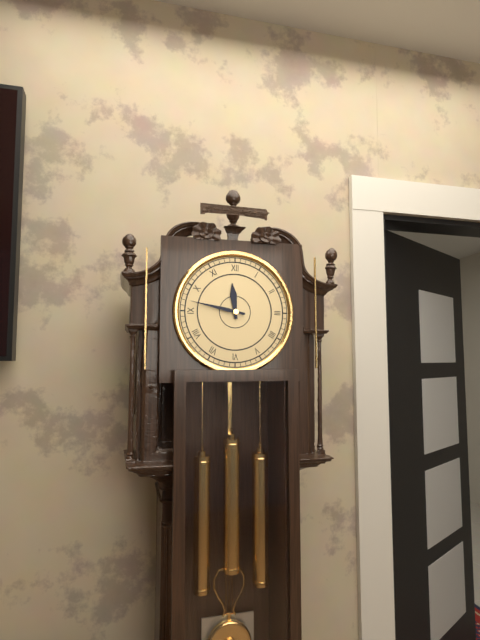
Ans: 11:47
